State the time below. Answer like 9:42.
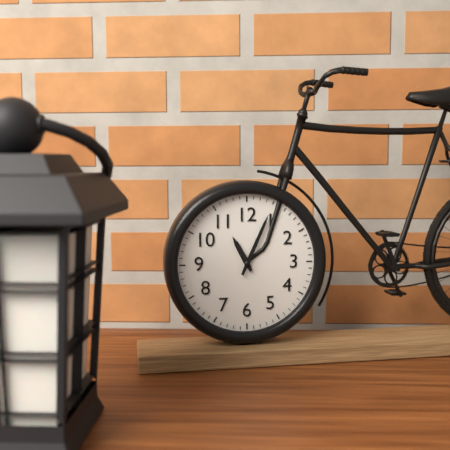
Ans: 11:04
